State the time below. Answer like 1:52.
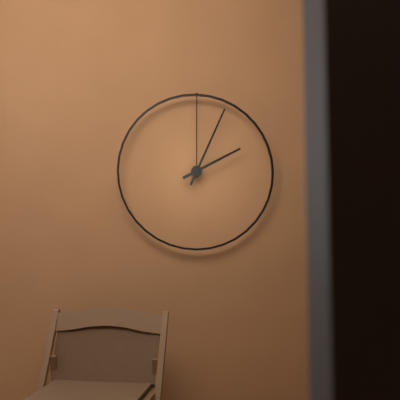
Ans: 2:04
